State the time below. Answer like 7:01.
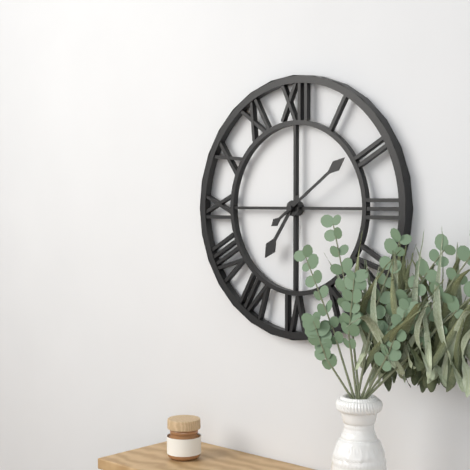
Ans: 7:09
